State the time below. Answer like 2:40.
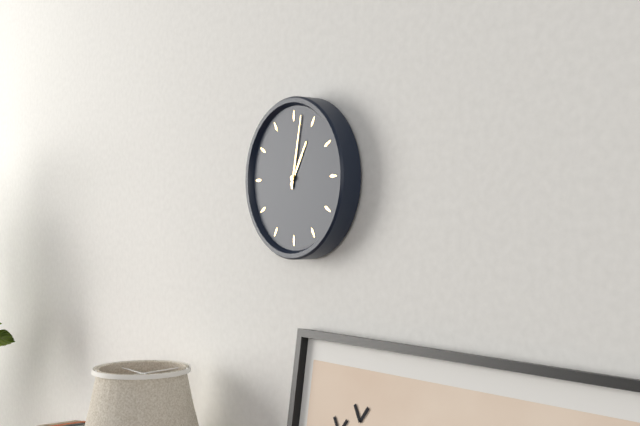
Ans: 1:02
